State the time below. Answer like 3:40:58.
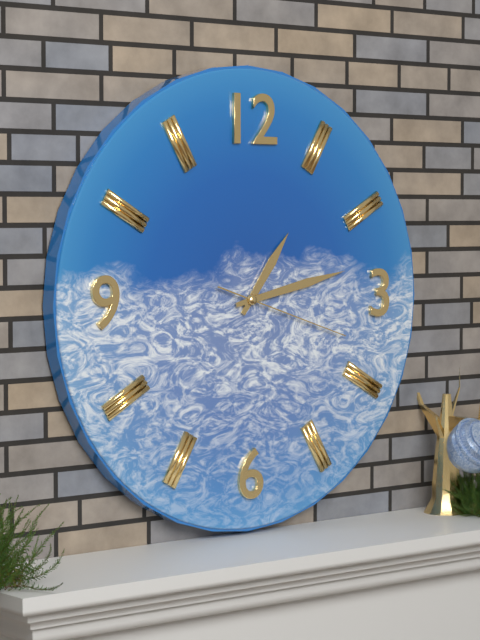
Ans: 1:13:18
